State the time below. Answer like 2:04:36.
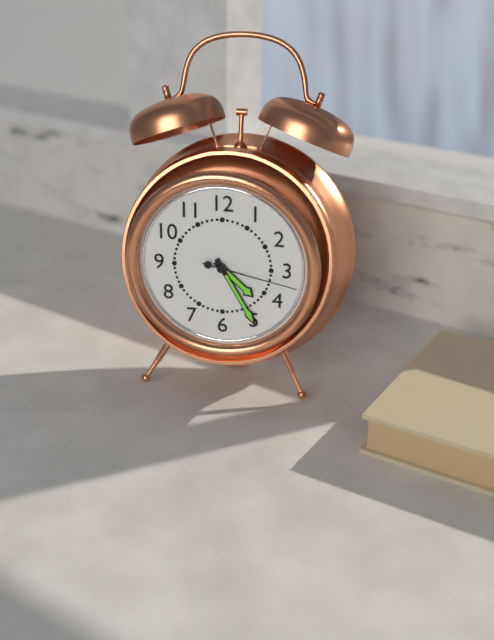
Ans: 4:25:17
